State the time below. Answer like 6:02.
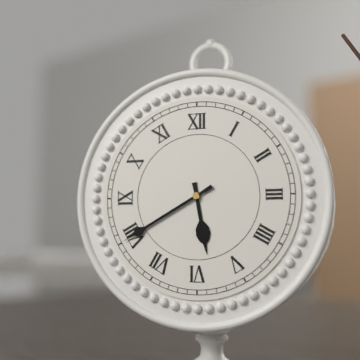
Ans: 5:40
